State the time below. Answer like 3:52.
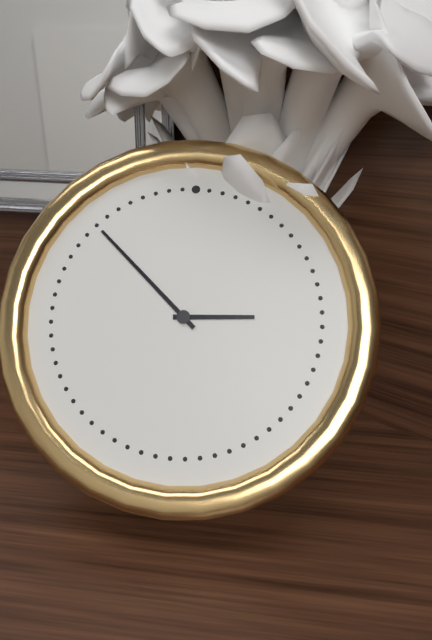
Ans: 2:52
